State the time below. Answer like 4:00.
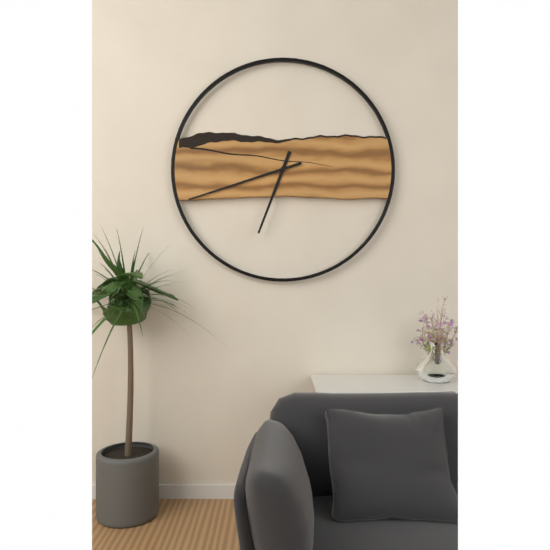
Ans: 6:42
